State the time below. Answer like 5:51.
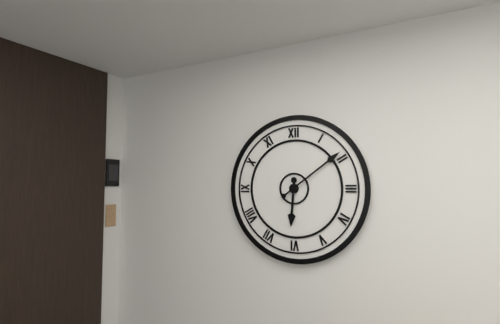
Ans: 6:09
